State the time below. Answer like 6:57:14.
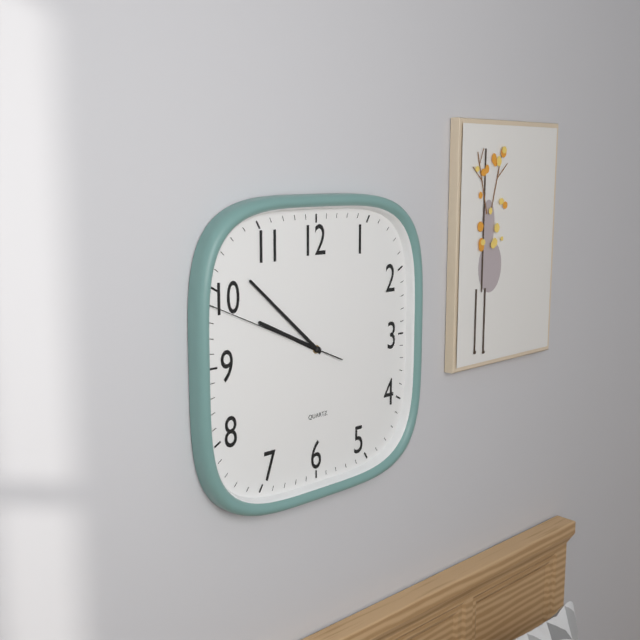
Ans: 9:52:49
